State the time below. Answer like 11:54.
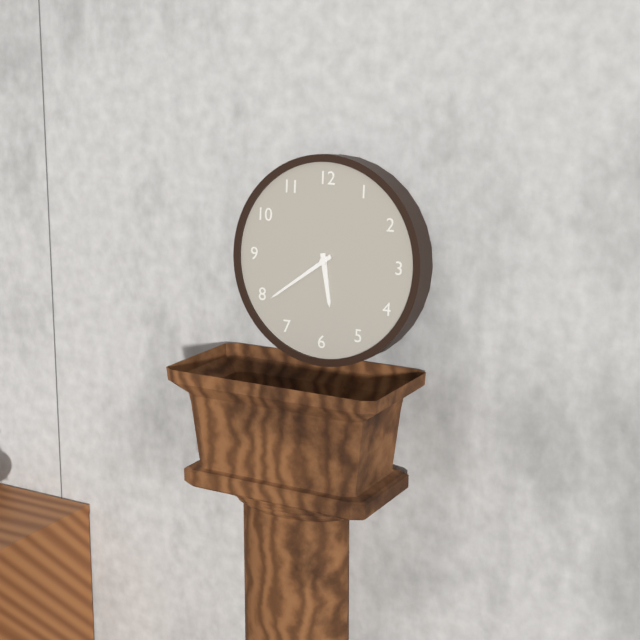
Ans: 5:39
